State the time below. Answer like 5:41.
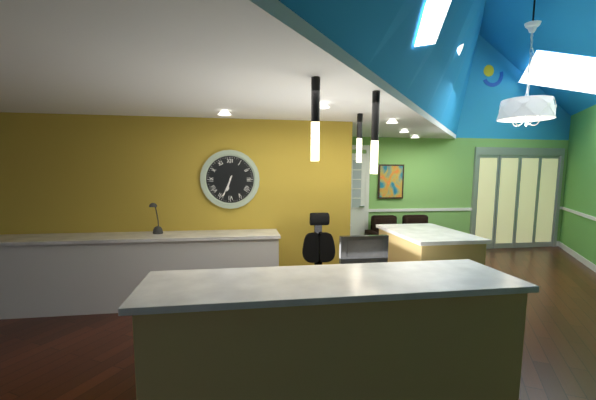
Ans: 6:34
